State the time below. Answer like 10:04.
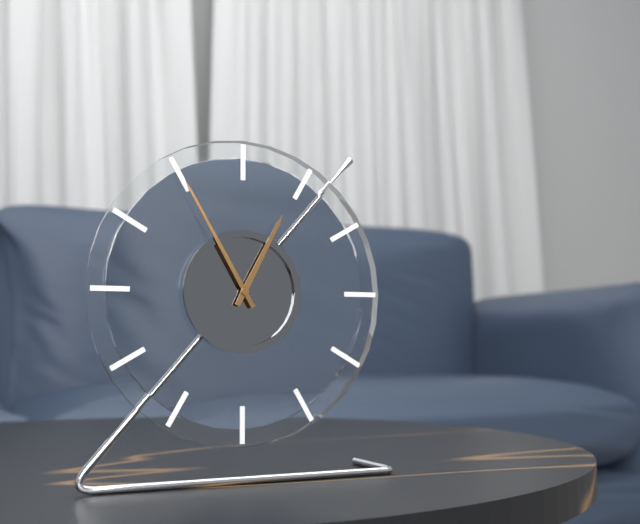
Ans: 12:55
